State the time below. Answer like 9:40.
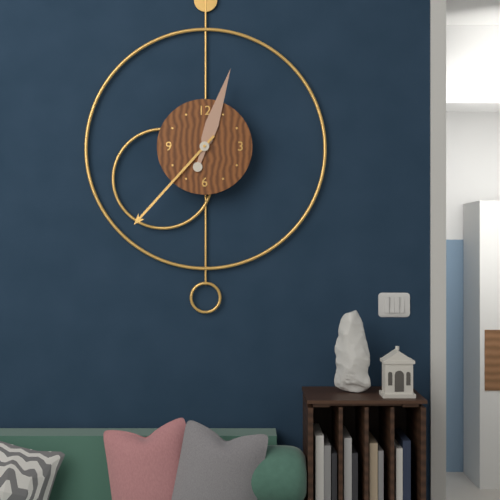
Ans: 12:37
